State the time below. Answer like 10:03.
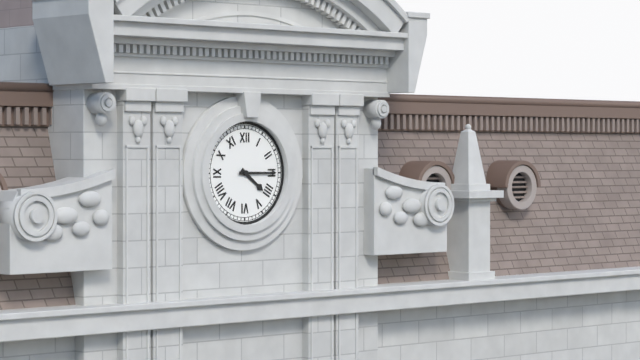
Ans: 4:15
